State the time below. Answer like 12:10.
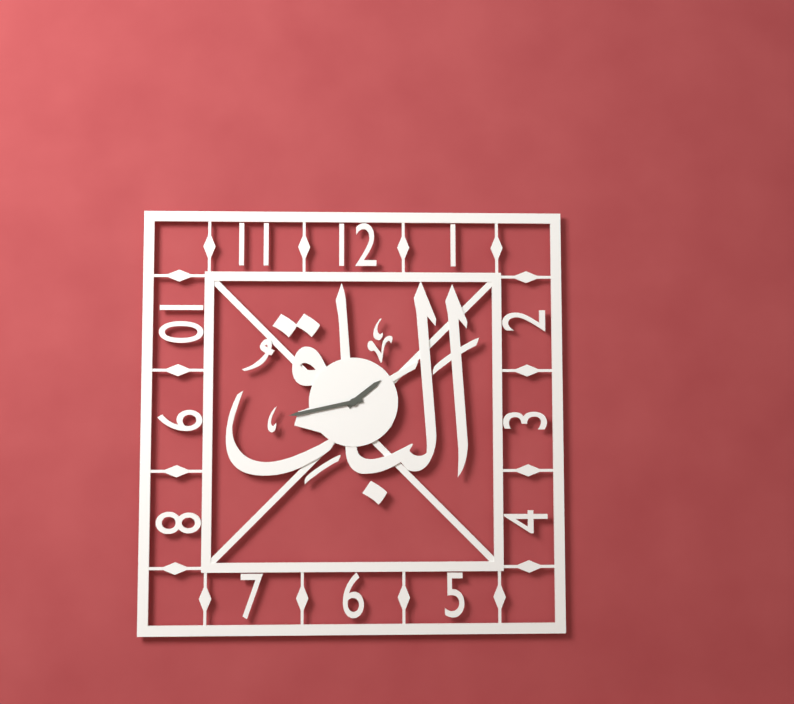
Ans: 1:43
